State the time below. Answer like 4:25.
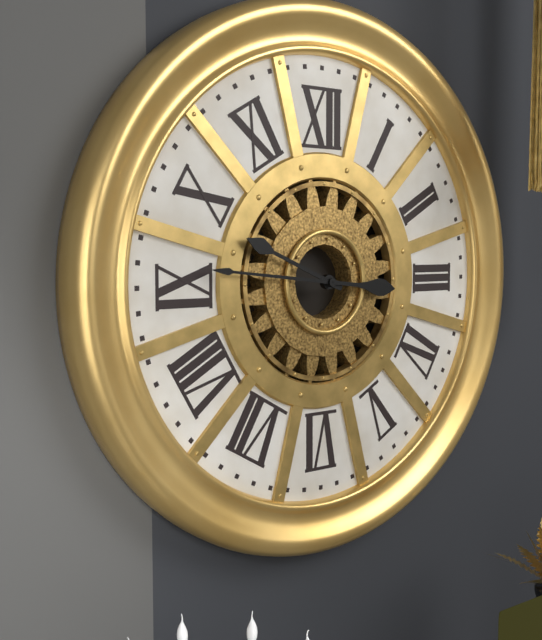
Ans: 9:46
